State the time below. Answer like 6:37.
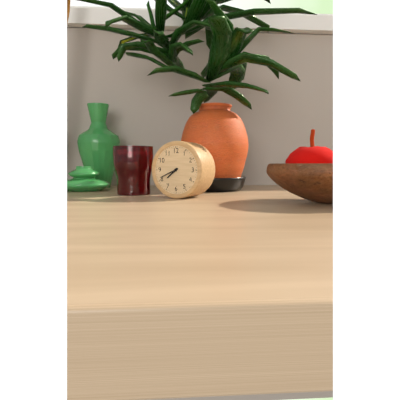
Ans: 7:41
